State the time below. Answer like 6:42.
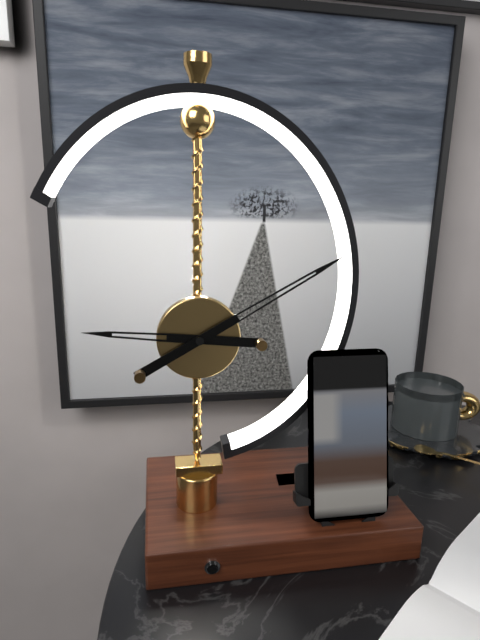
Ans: 9:10
